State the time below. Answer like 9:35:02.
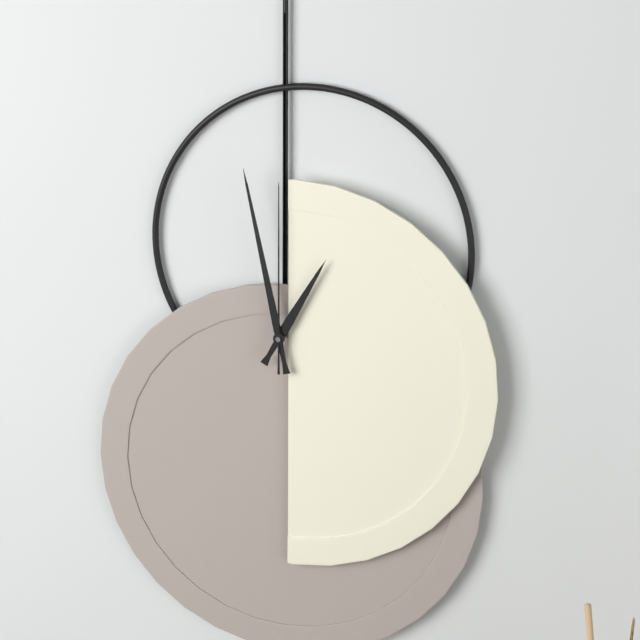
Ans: 12:58:00
